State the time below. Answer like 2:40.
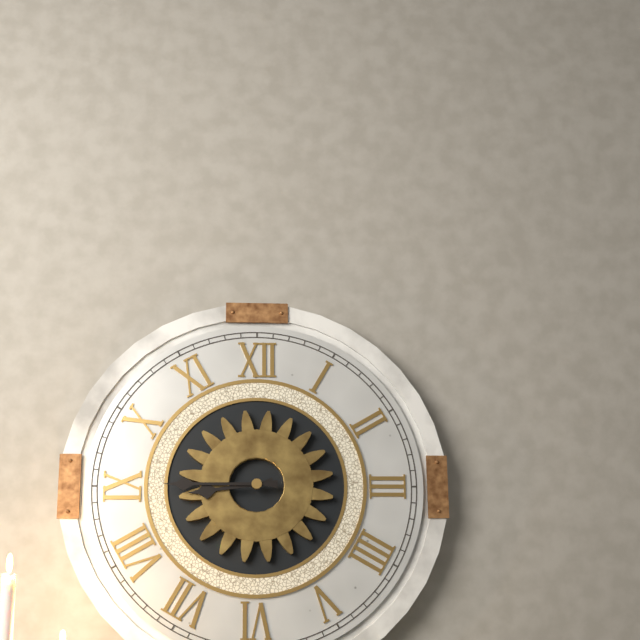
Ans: 8:45
